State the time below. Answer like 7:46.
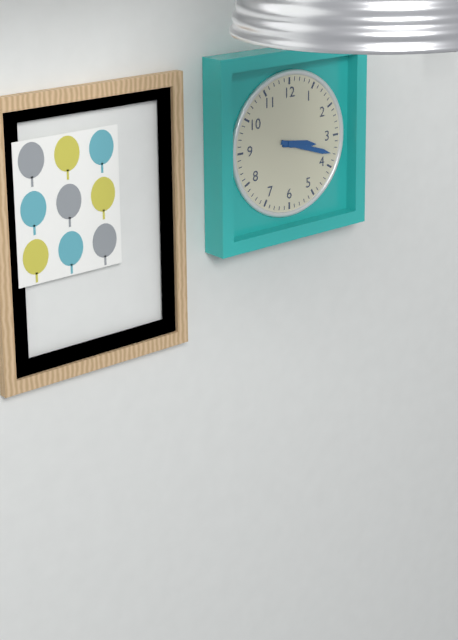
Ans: 3:18
